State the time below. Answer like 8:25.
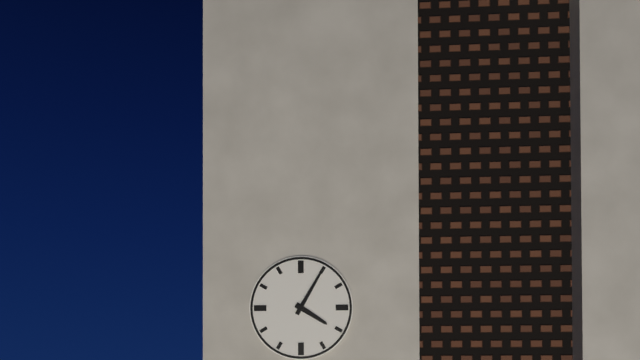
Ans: 4:05
